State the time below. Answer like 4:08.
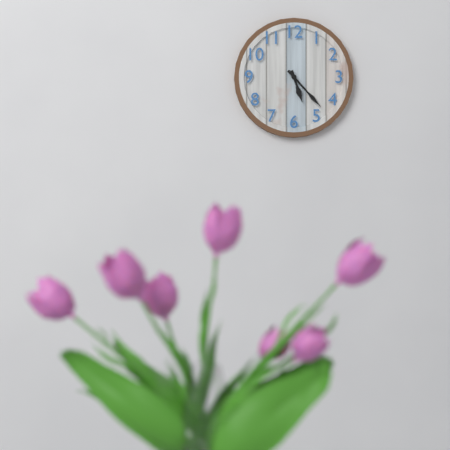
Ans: 5:23
